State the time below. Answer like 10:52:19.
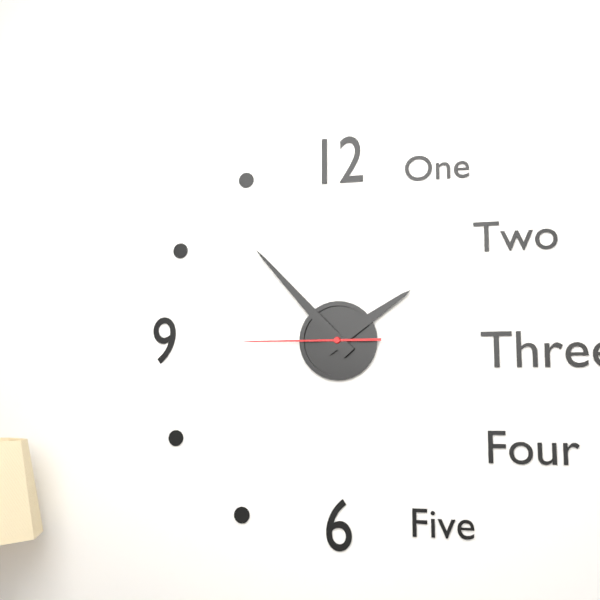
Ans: 1:53:45
